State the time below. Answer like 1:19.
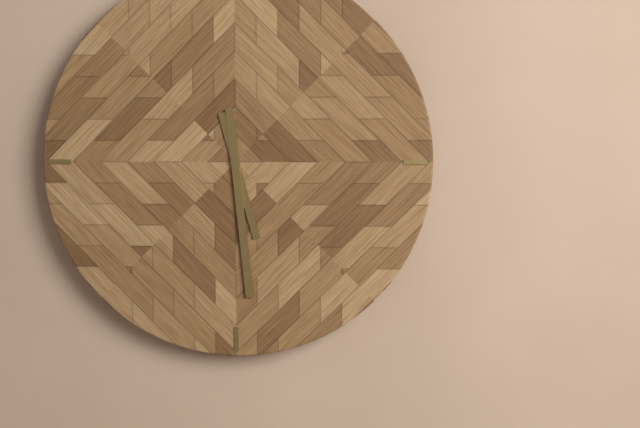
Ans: 5:29
